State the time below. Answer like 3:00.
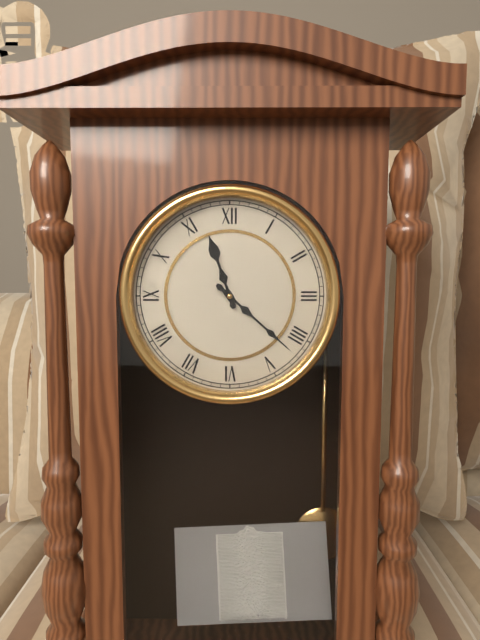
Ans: 11:22
